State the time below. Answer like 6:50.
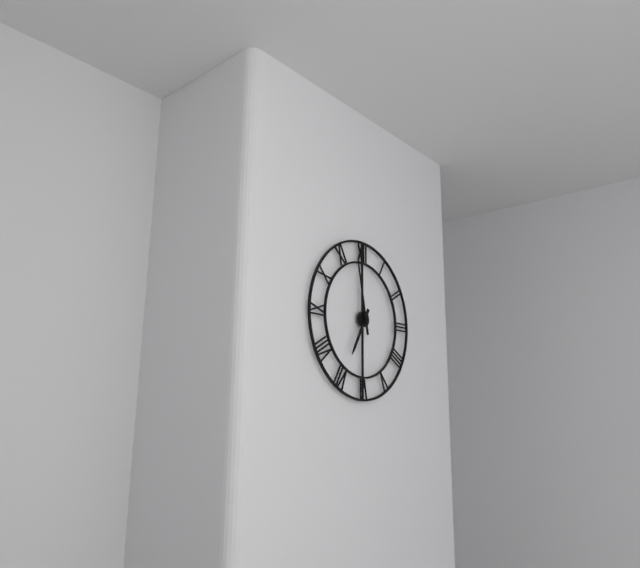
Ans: 6:58
